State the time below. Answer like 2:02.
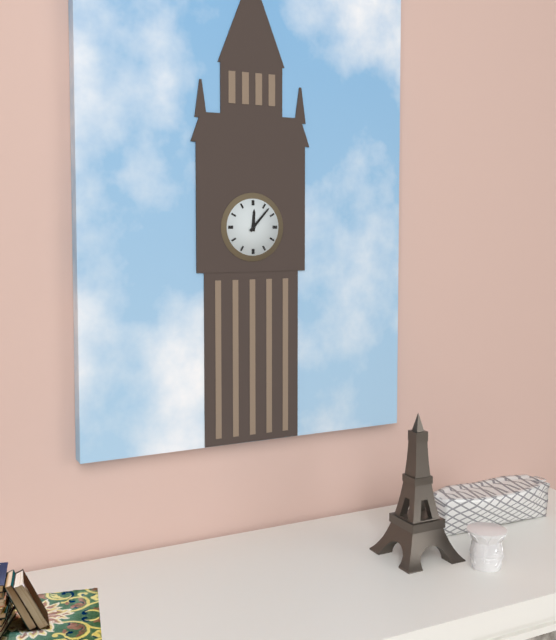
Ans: 12:07
